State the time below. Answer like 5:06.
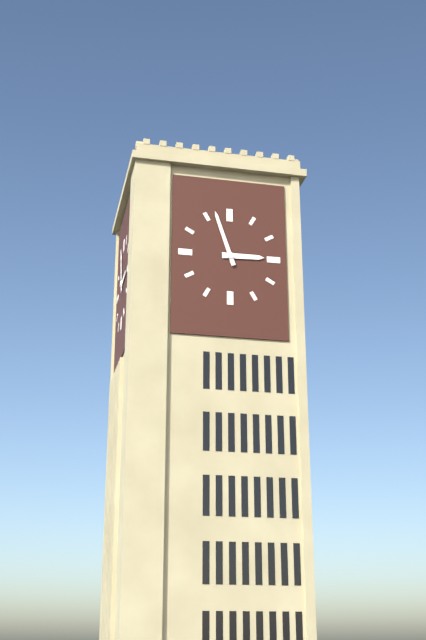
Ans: 2:57
